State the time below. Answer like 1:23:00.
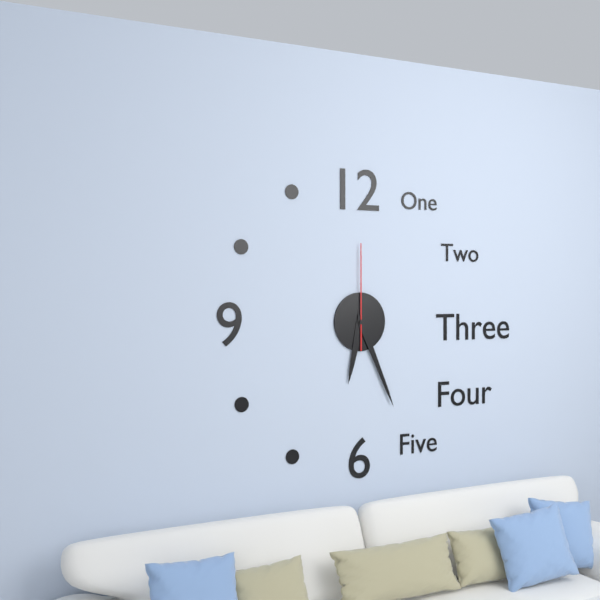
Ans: 6:26:00
